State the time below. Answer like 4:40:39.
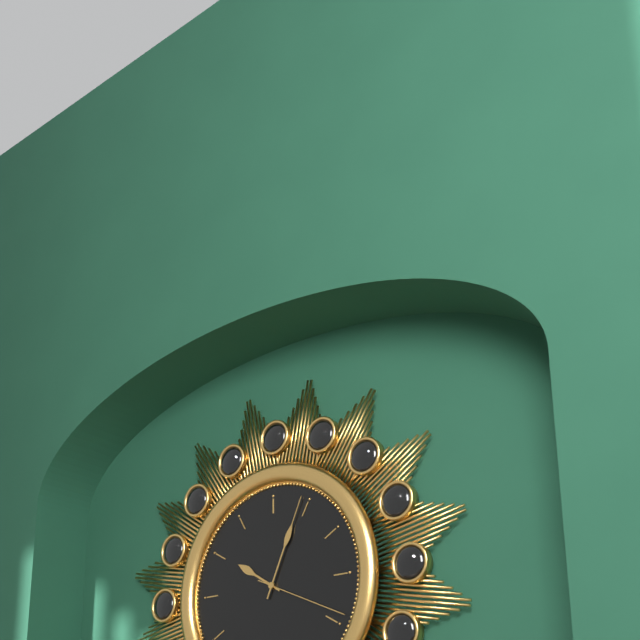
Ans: 10:04:19
